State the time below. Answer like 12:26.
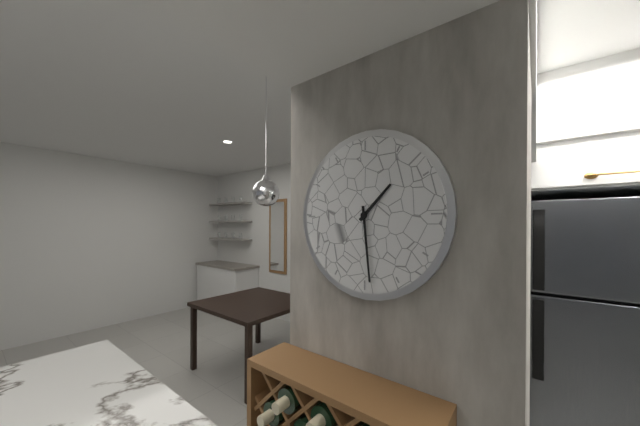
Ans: 1:29
